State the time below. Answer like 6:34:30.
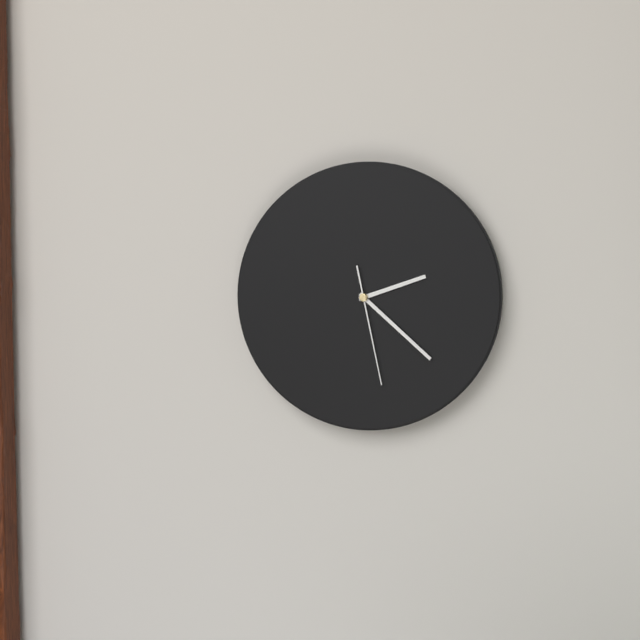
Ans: 2:22:28
